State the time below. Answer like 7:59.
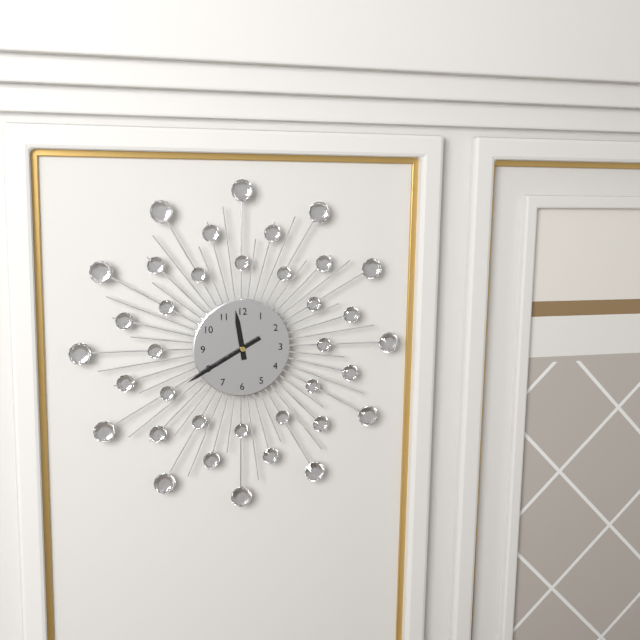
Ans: 11:40
